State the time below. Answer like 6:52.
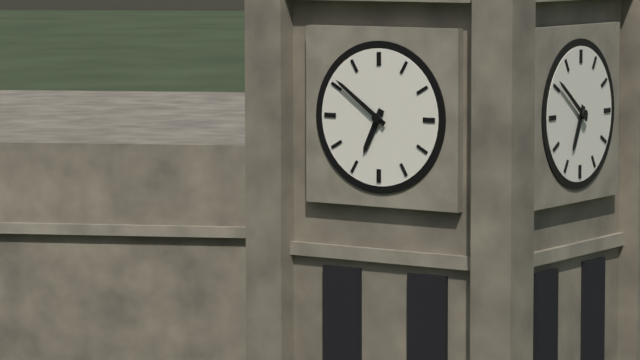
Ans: 6:51
